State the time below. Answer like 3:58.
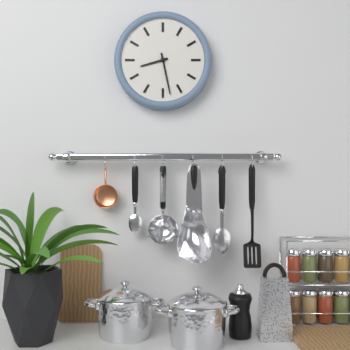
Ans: 8:28
